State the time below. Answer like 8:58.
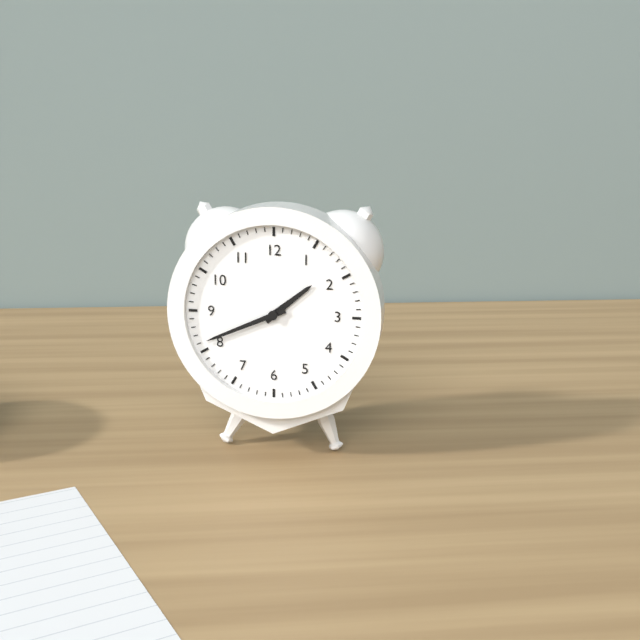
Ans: 1:41
